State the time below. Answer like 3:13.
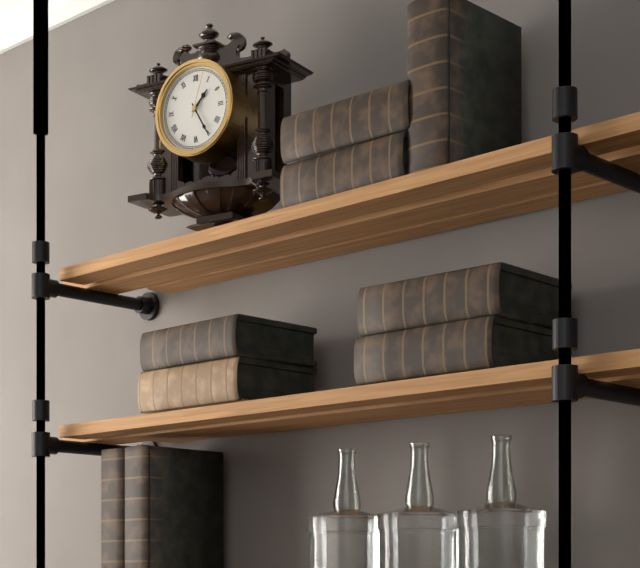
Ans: 1:25
